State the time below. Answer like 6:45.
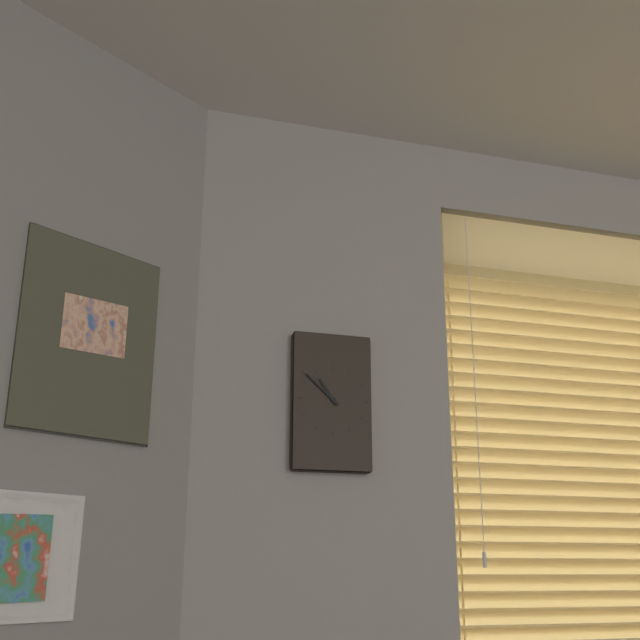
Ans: 10:52
